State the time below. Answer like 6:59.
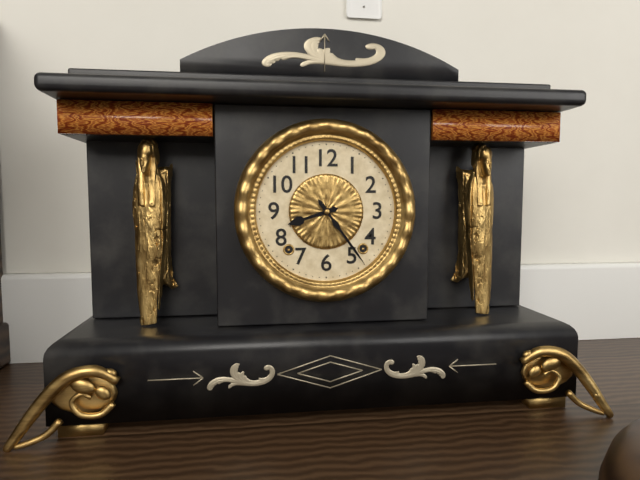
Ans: 8:24
